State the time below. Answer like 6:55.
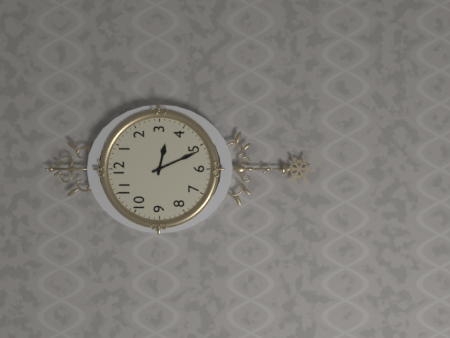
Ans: 3:26
